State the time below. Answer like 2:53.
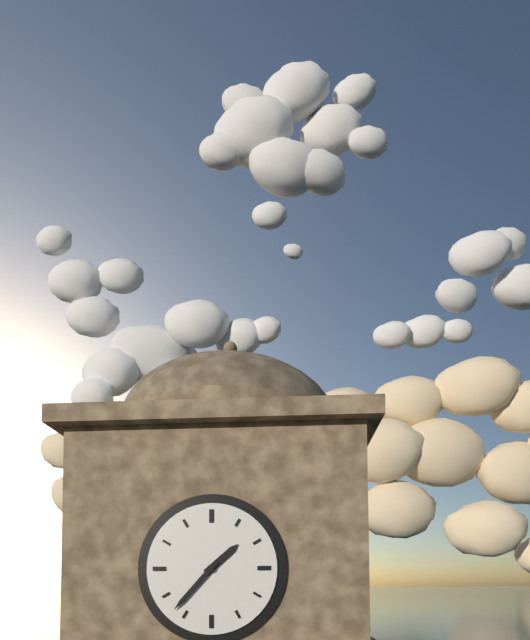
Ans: 1:37
